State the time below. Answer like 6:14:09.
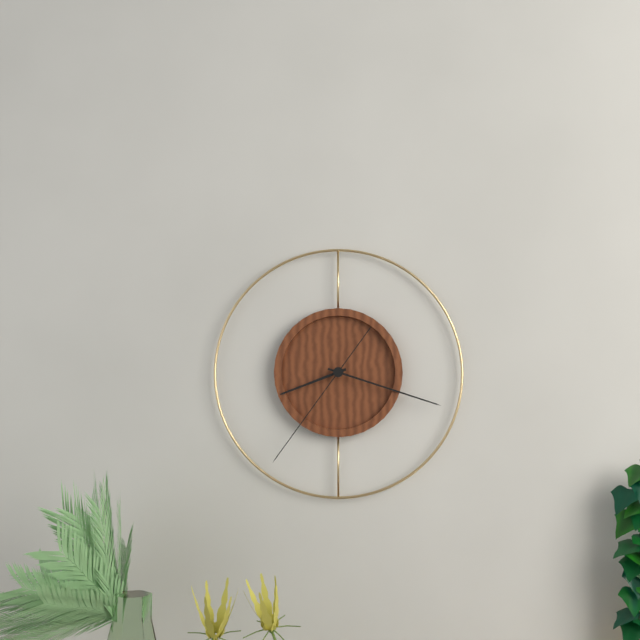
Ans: 8:18:36
